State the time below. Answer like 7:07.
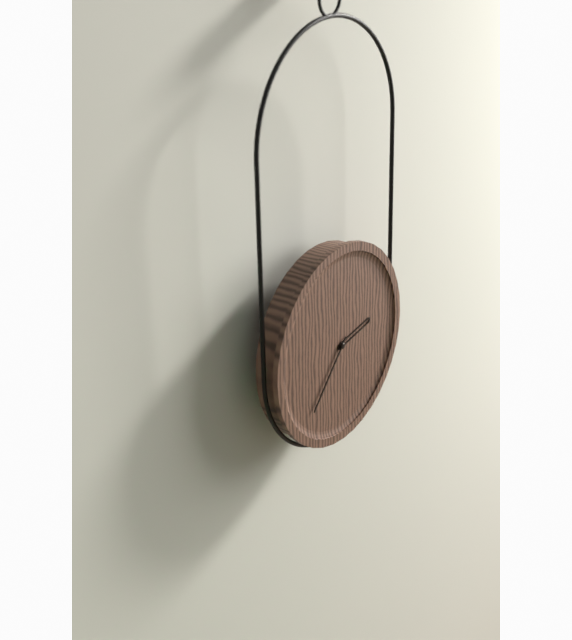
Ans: 2:37
